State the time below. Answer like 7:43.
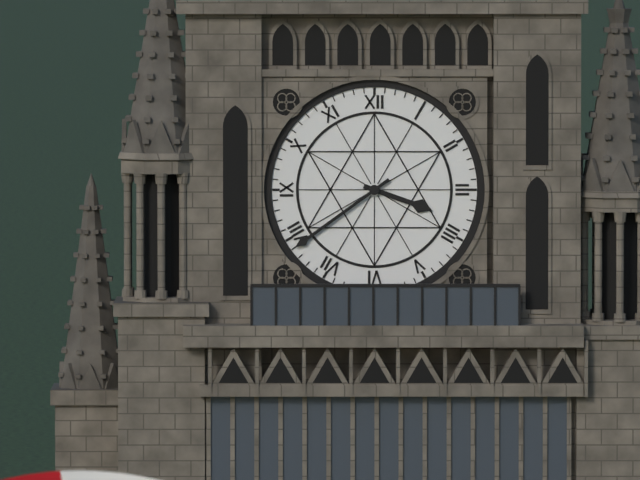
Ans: 3:39
